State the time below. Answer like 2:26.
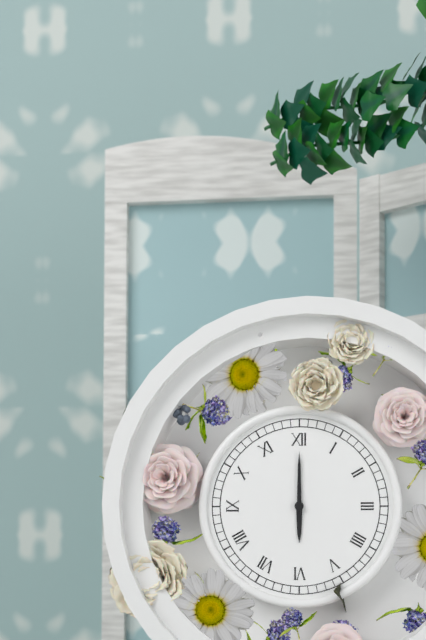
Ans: 6:00
